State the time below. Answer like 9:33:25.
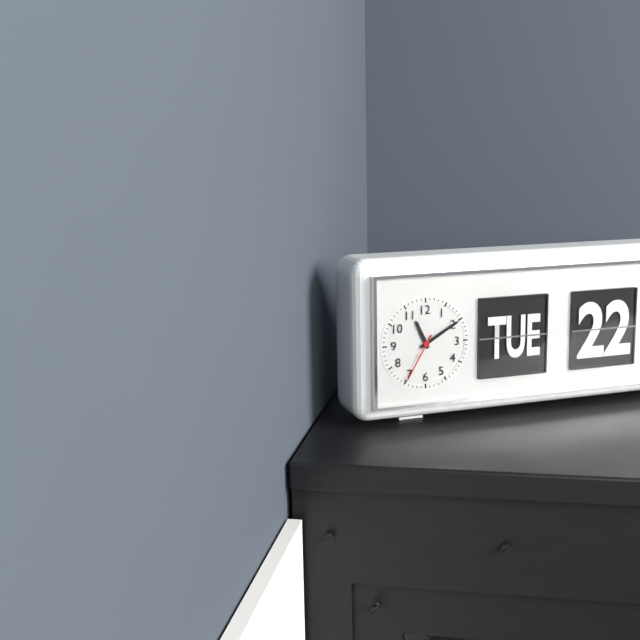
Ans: 11:10:35
